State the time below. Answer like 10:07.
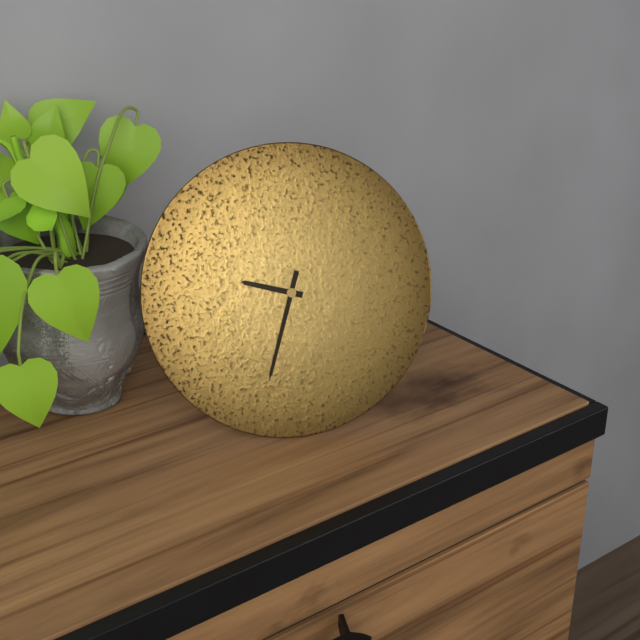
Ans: 9:33
